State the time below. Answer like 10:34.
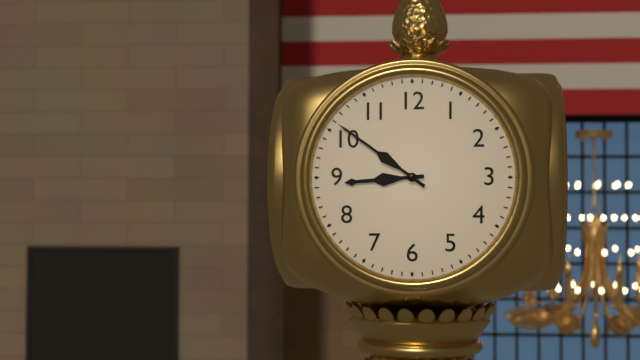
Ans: 8:51
